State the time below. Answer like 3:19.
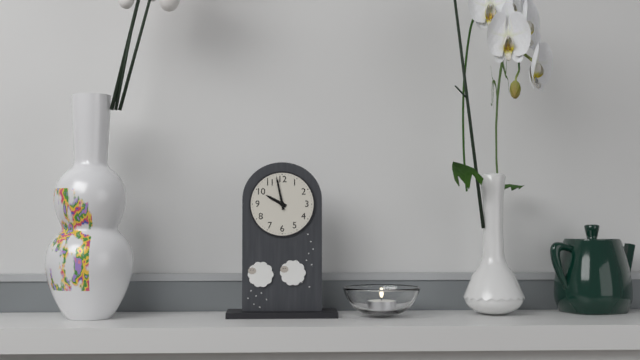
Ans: 9:58
